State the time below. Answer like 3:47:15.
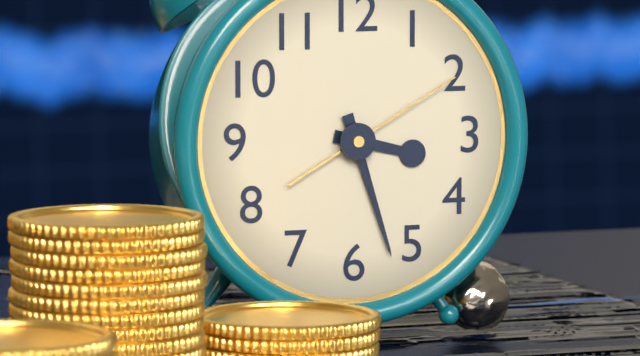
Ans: 3:27:10
